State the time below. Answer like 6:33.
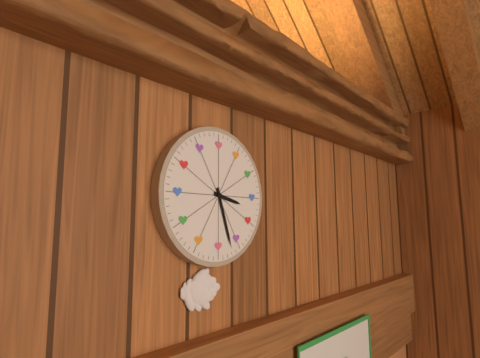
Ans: 3:27
